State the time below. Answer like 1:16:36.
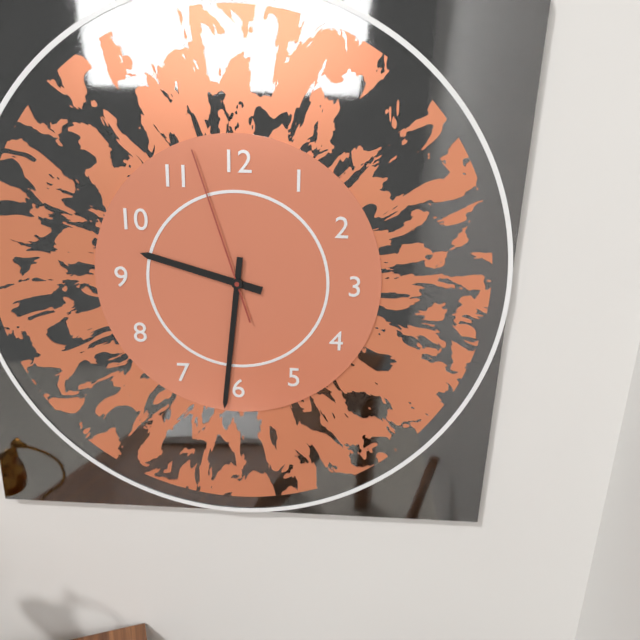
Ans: 9:31:57
